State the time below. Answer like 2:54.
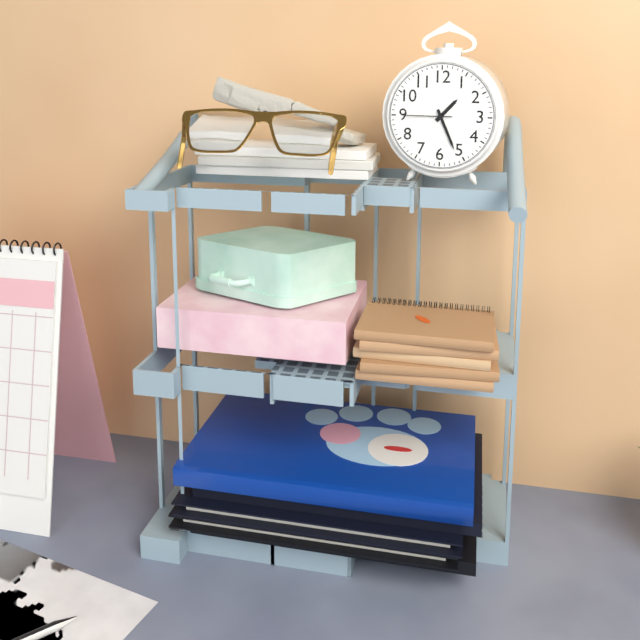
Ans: 1:26
